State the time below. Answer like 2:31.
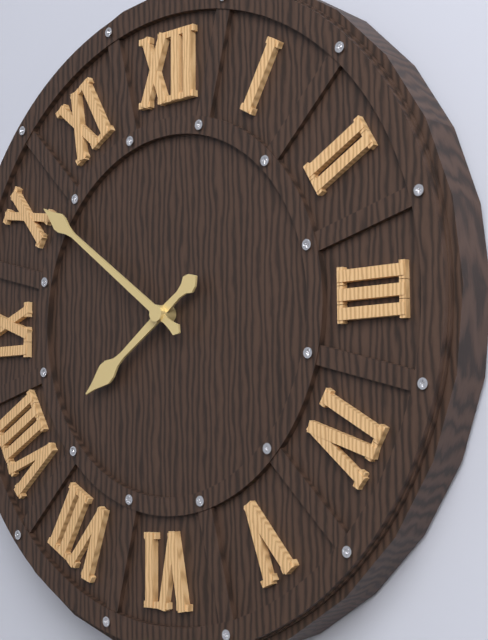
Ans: 7:51
